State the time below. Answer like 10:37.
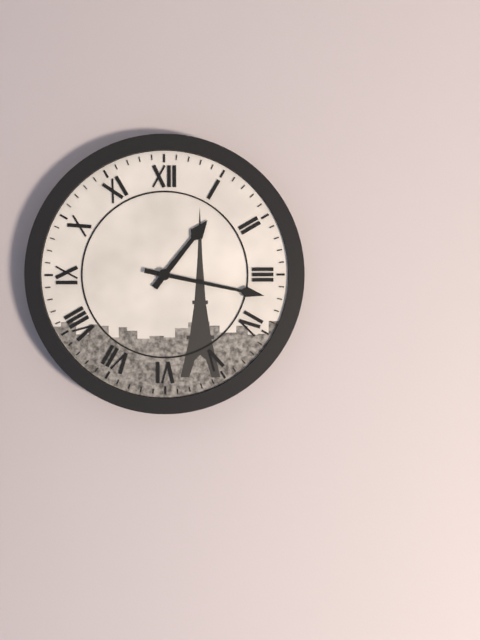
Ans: 1:17
